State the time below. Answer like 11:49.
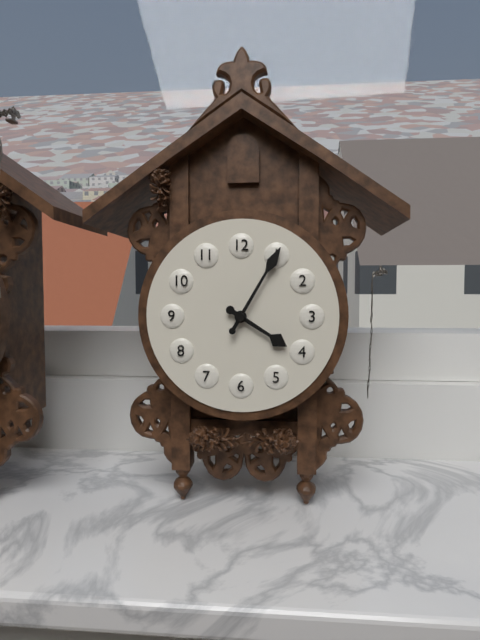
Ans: 4:05
